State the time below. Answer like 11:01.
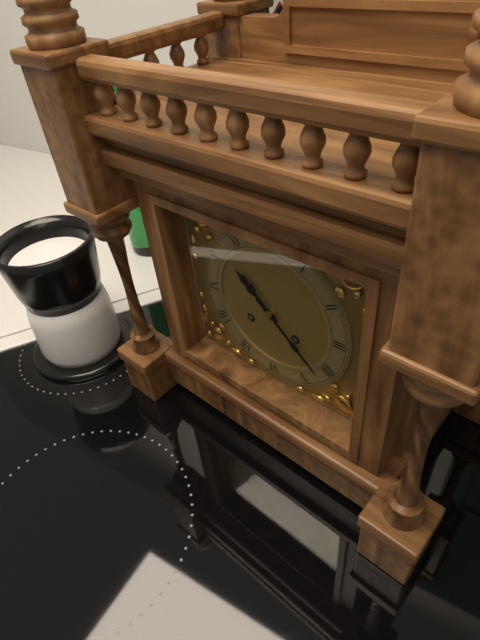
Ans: 10:22
